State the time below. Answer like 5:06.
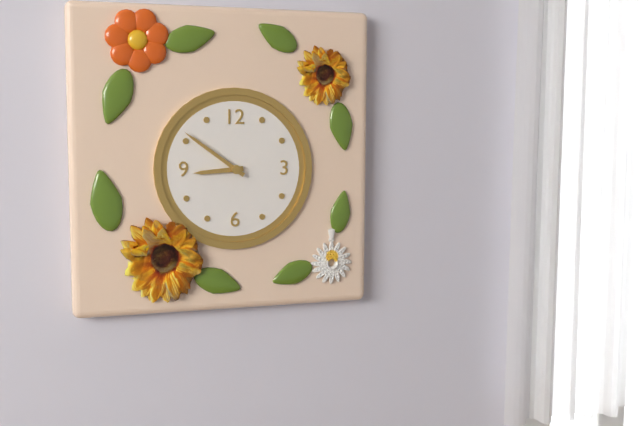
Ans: 8:51
